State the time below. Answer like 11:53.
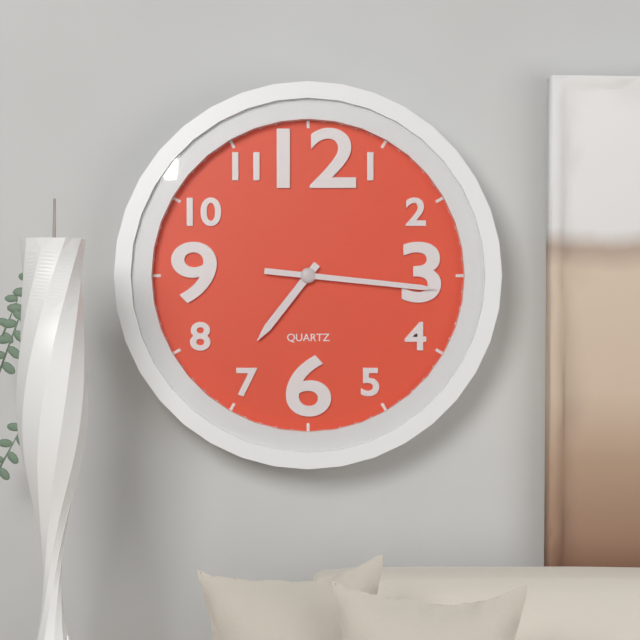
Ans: 7:16
